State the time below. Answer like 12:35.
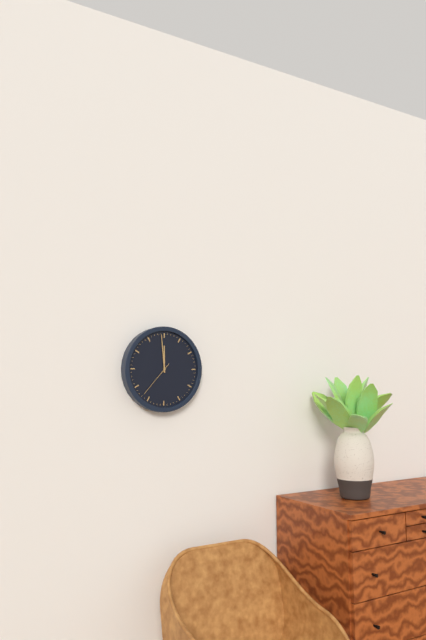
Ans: 11:59
